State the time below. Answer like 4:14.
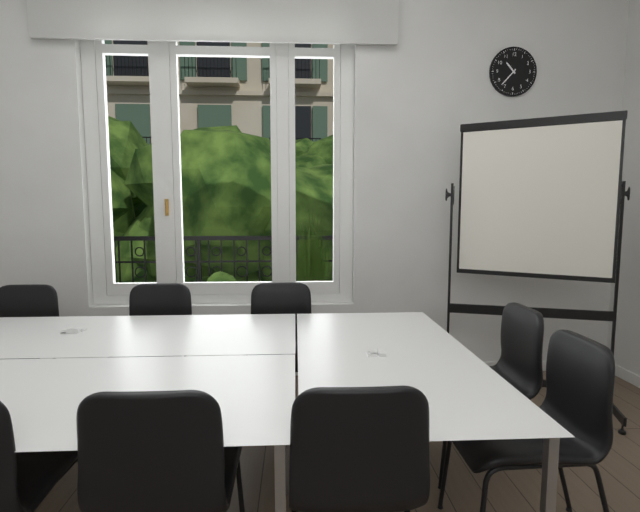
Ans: 10:37
